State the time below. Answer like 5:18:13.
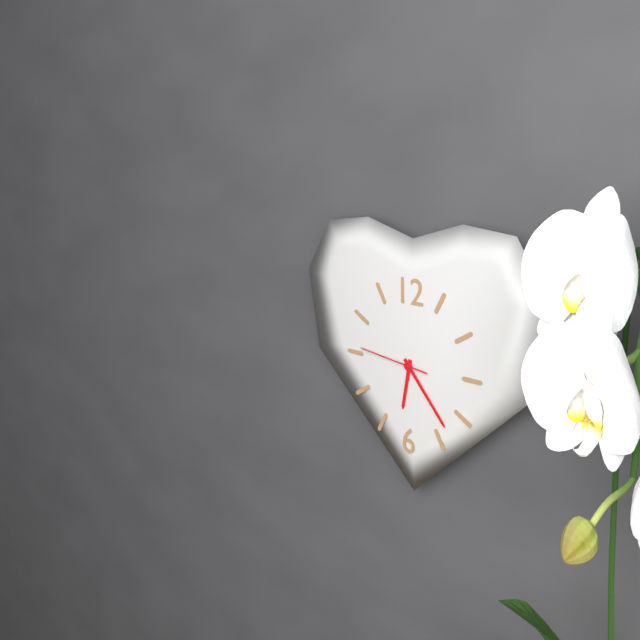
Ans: 6:23:46
